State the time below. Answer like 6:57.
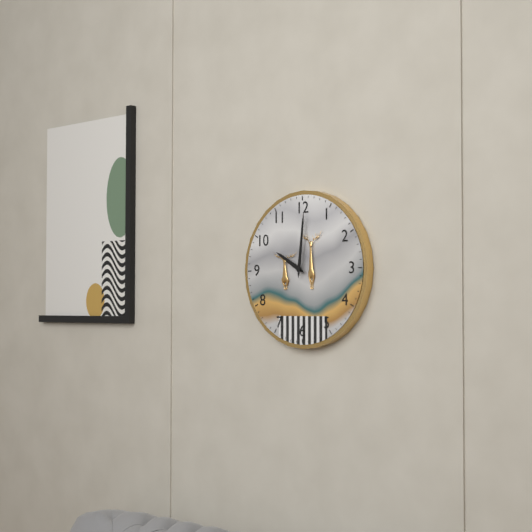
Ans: 10:01
